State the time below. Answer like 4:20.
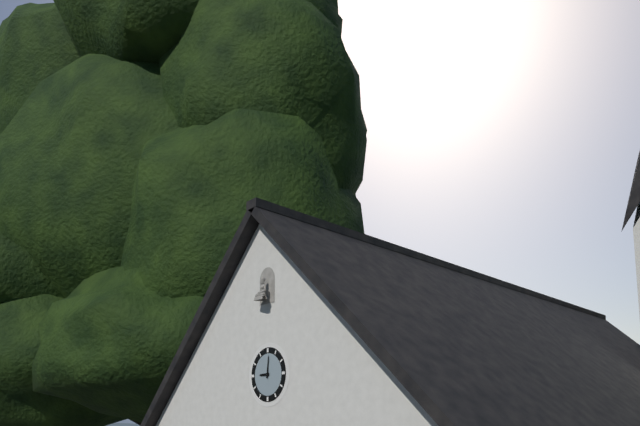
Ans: 9:01
